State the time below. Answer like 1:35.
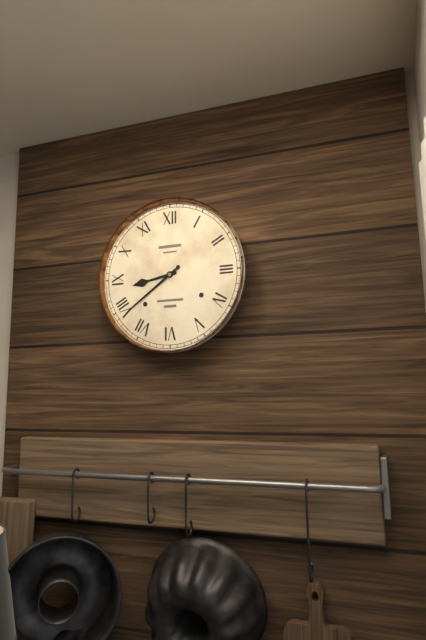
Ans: 8:39
